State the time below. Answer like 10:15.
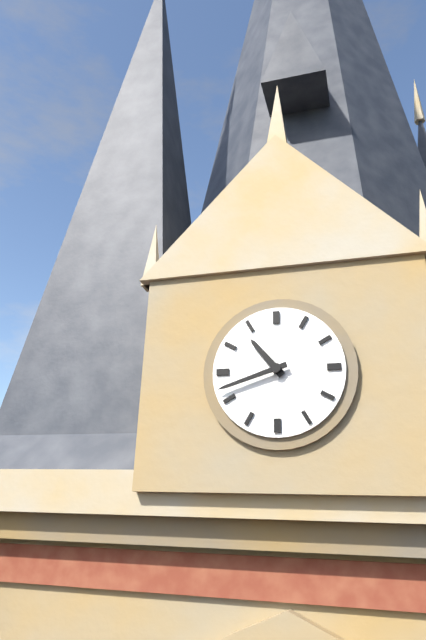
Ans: 10:42
